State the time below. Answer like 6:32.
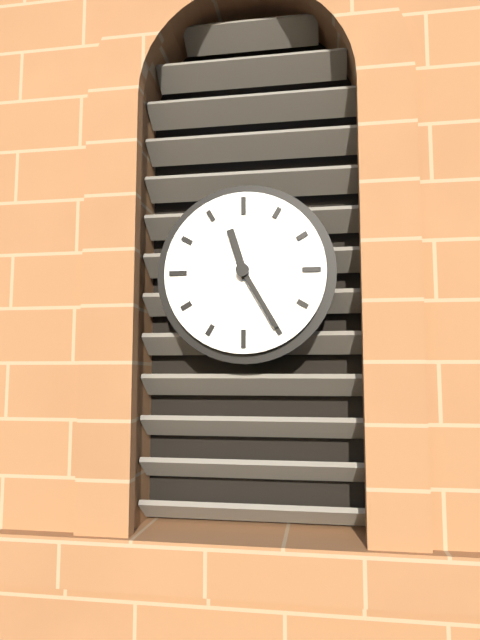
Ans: 11:25
